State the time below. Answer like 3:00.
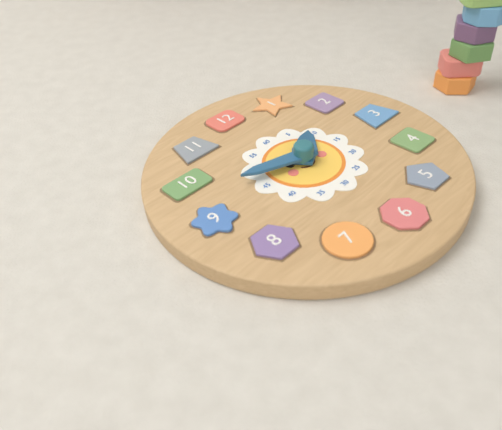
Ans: 1:48
